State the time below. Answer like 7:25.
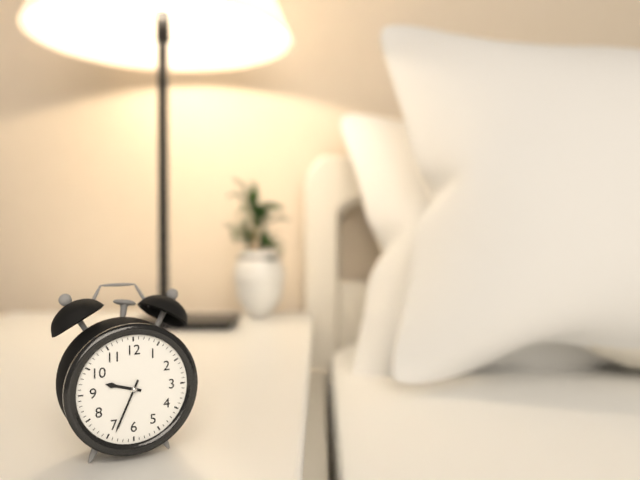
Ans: 9:34
